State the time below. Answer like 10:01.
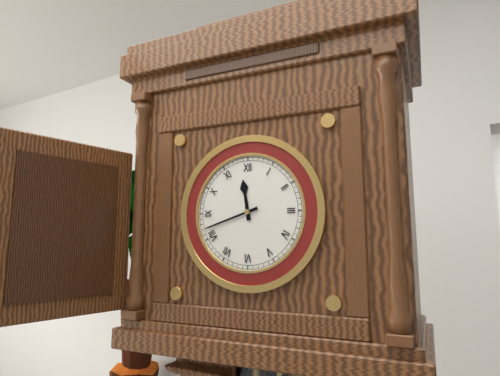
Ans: 11:42
